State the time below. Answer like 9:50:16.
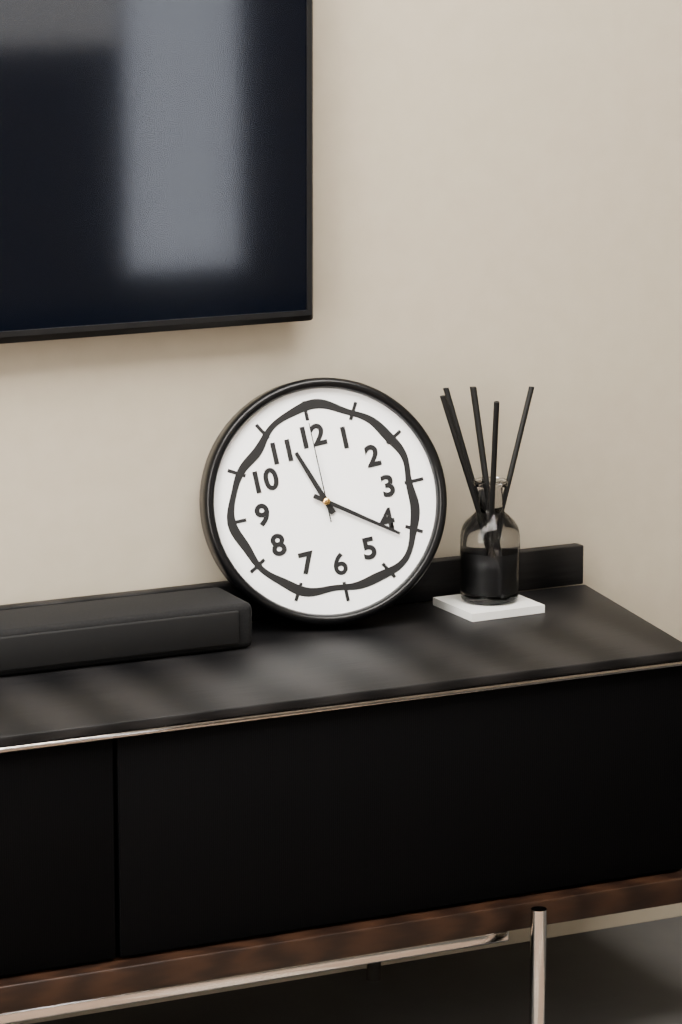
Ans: 11:21:00
